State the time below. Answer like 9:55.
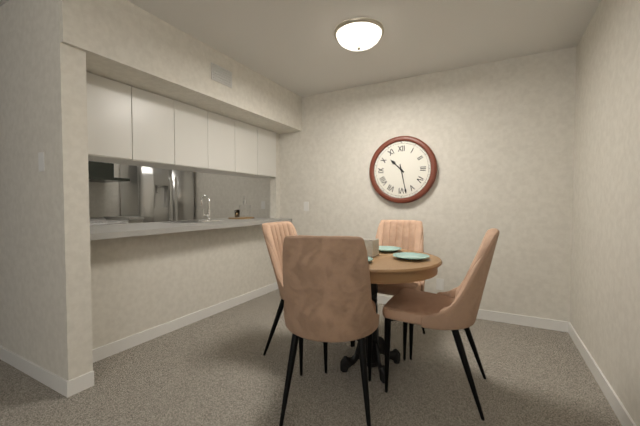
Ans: 10:28
